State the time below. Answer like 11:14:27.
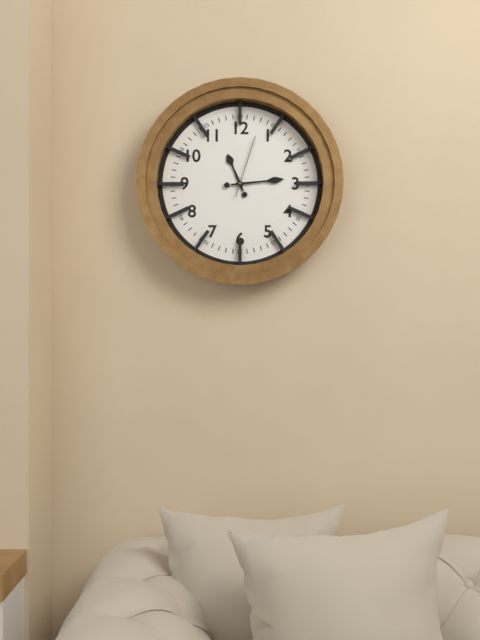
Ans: 11:14:03
